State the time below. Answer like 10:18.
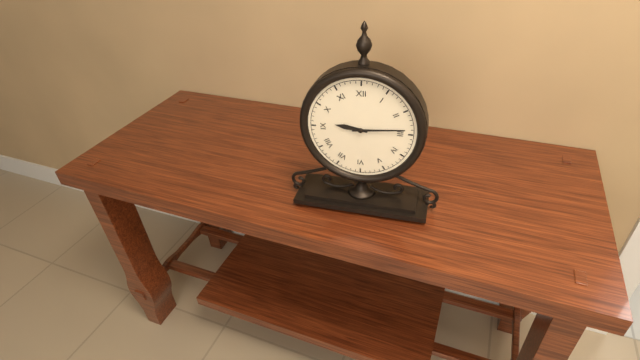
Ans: 9:14
